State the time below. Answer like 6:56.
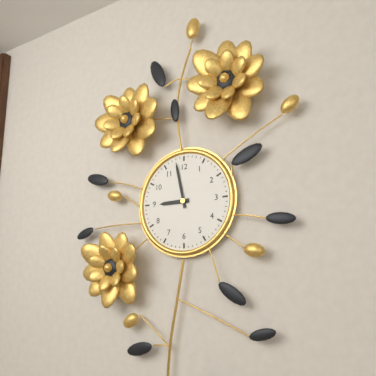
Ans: 8:58
